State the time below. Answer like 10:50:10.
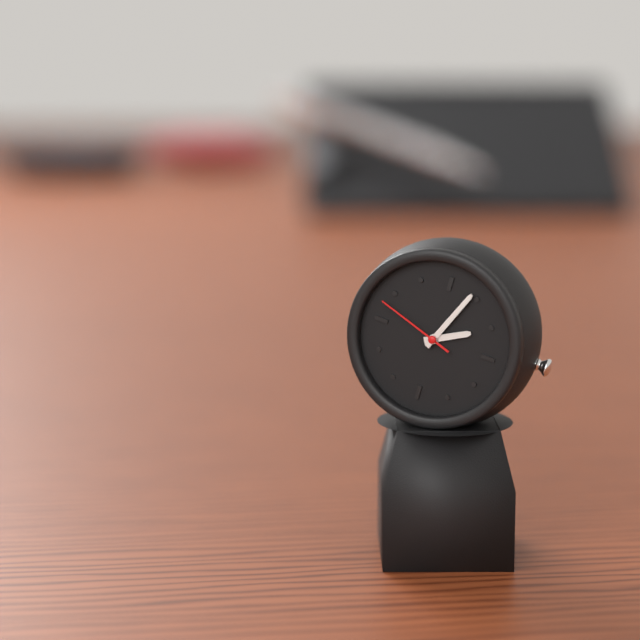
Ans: 2:04:48
